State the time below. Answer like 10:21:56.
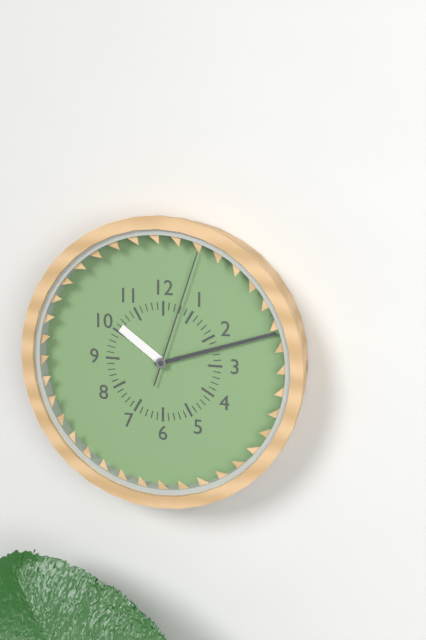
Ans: 10:12:03
